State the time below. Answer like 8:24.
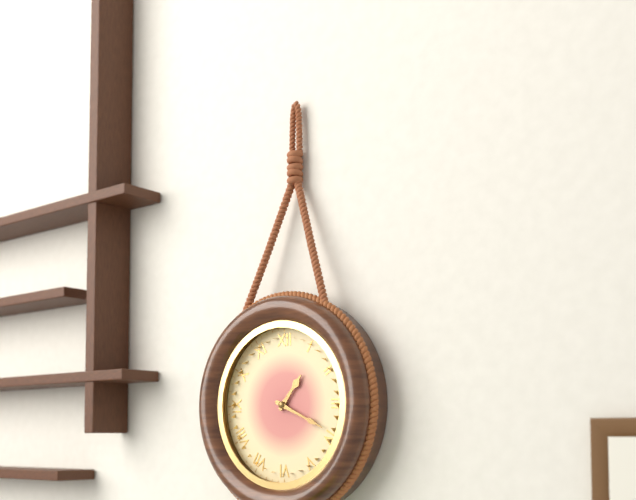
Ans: 1:19
